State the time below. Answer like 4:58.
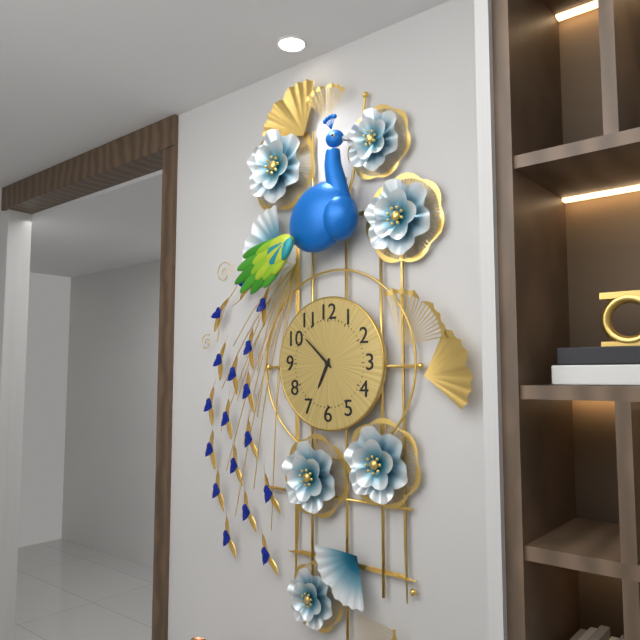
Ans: 6:52
